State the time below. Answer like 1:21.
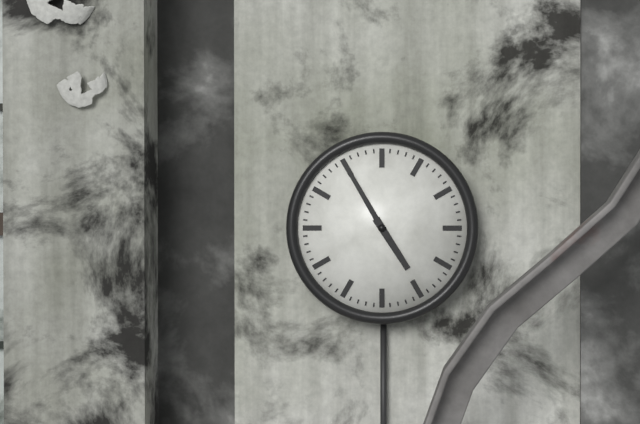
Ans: 4:55
